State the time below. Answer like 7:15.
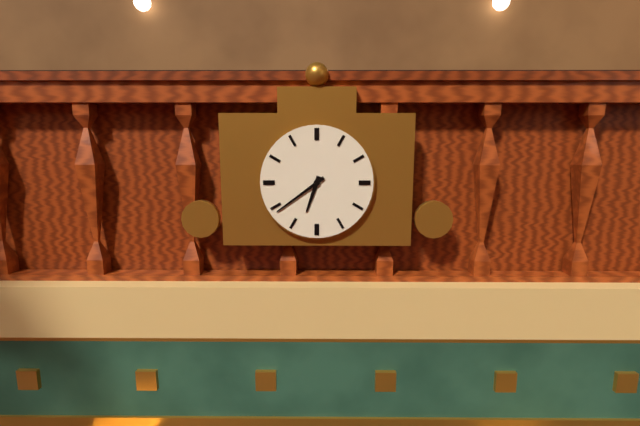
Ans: 6:39
